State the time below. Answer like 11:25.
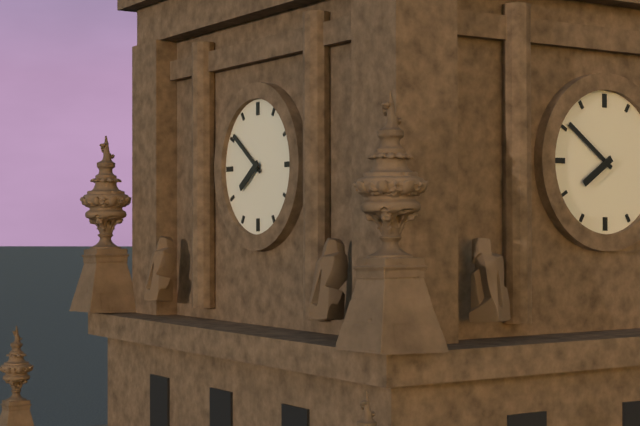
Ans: 7:51
